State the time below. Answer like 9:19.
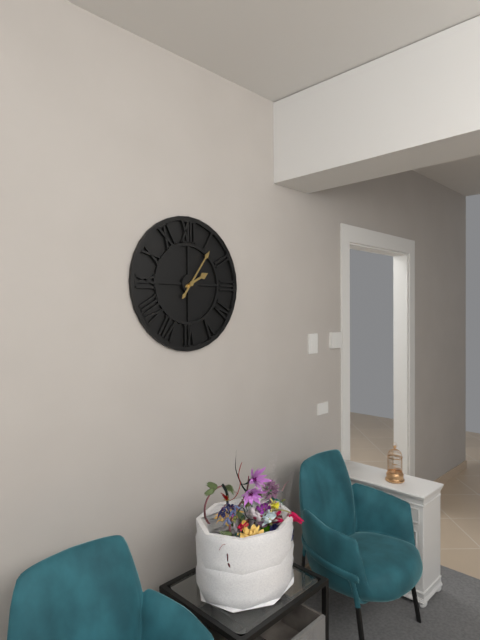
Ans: 2:06
